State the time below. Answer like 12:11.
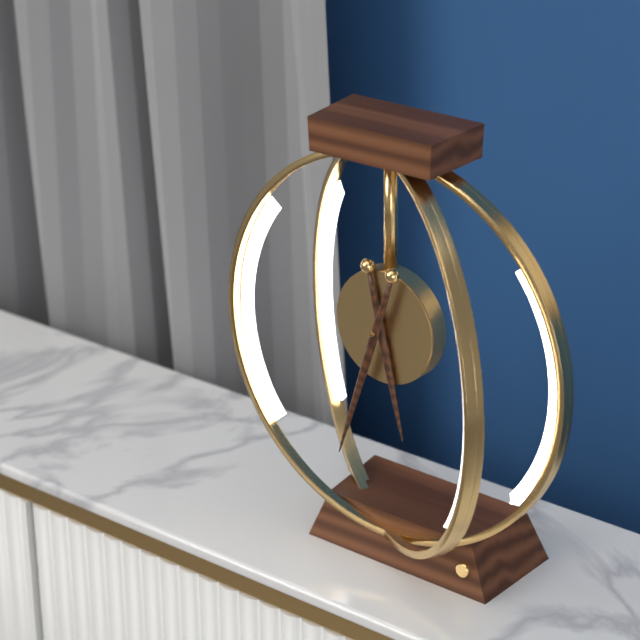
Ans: 5:33
